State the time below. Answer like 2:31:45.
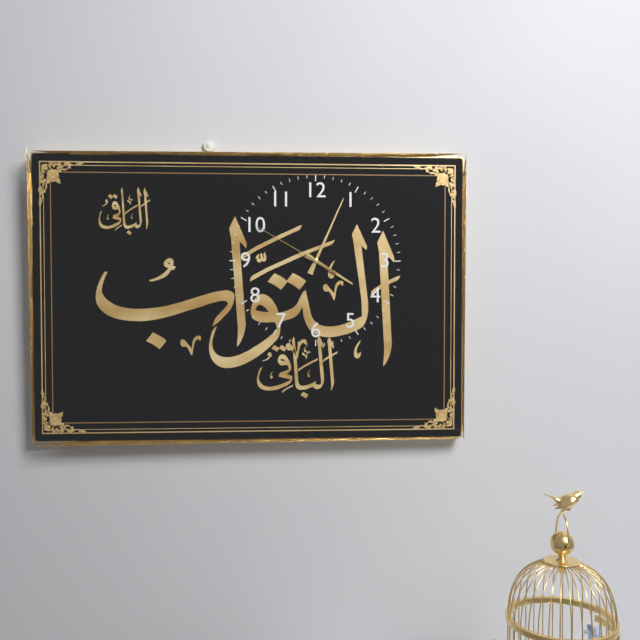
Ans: 4:04:50
